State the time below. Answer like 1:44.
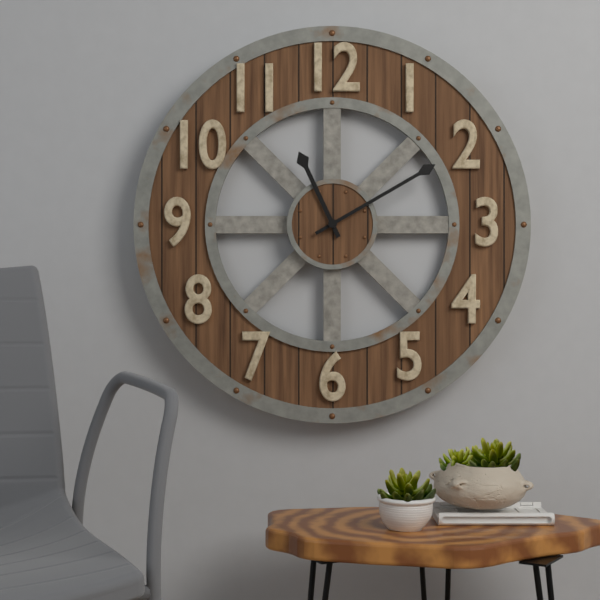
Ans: 11:10
